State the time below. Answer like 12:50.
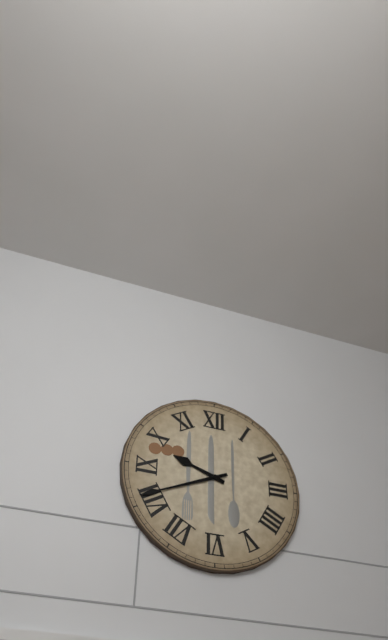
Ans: 9:41
